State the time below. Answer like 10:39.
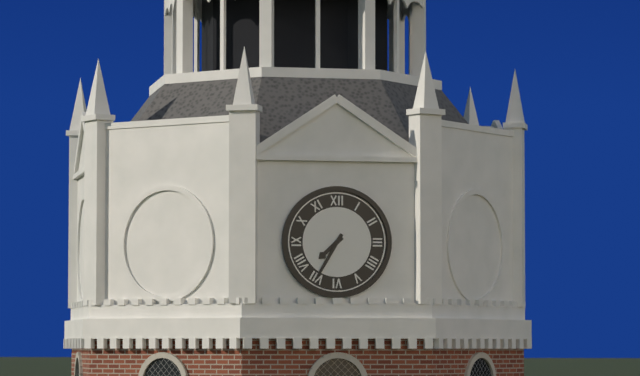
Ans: 7:35
